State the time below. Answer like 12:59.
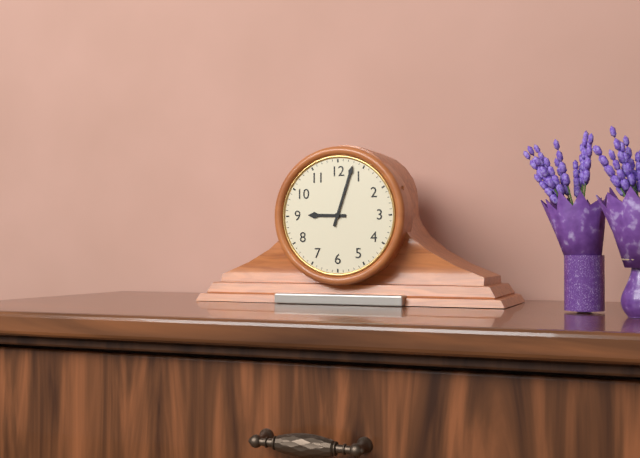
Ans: 9:03
